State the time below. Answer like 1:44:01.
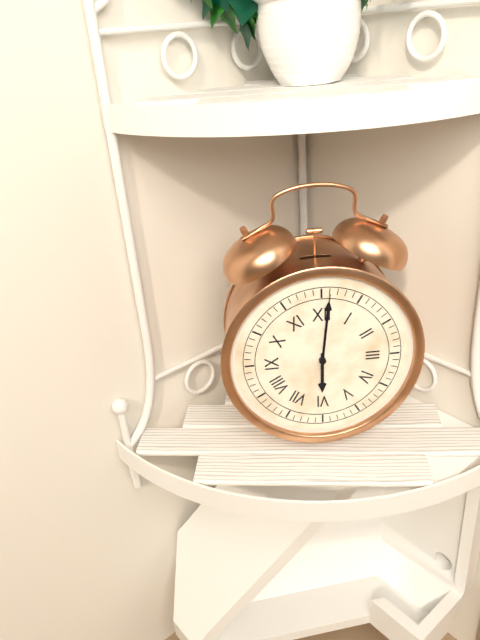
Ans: 6:01:01
